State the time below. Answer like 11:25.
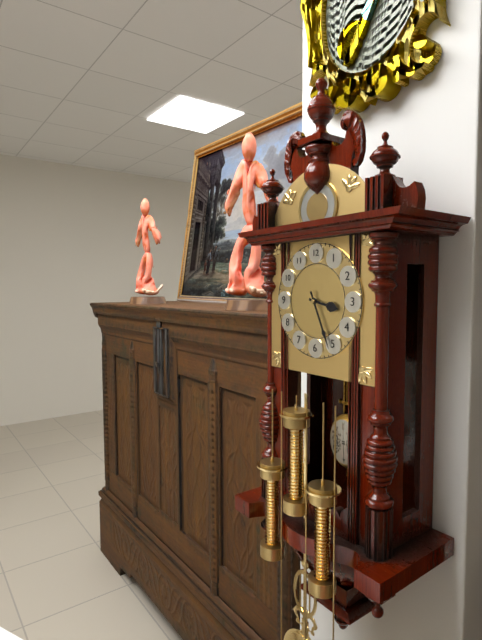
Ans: 3:26
